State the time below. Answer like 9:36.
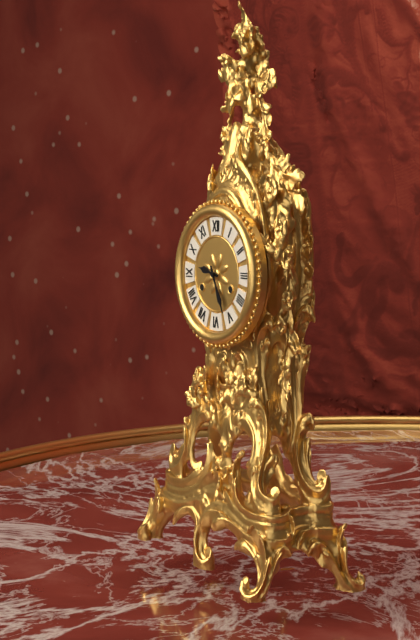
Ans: 9:26
